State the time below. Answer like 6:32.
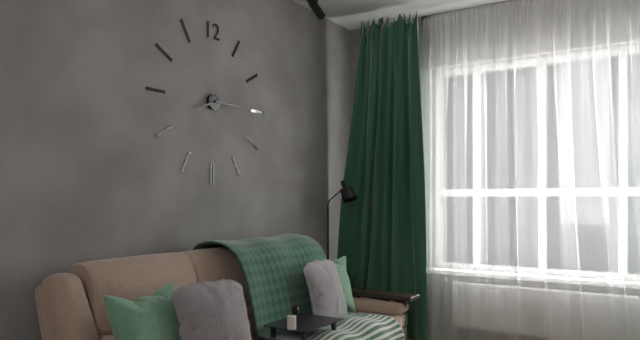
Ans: 8:15
